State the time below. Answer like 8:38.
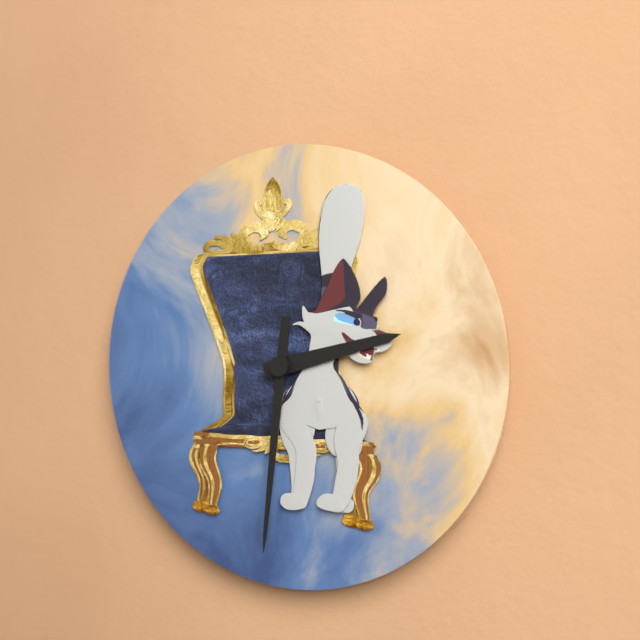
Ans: 2:31
